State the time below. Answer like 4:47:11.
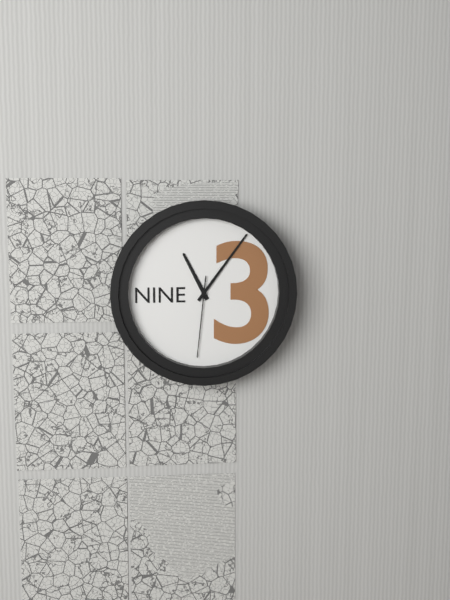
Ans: 11:06:31
